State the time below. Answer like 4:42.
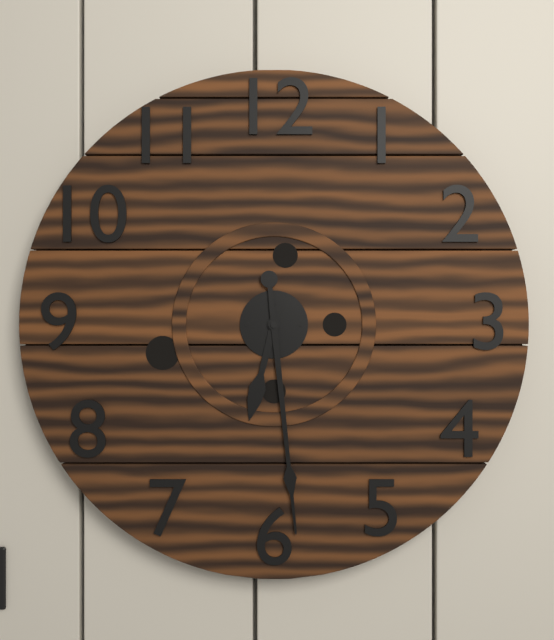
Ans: 6:29
